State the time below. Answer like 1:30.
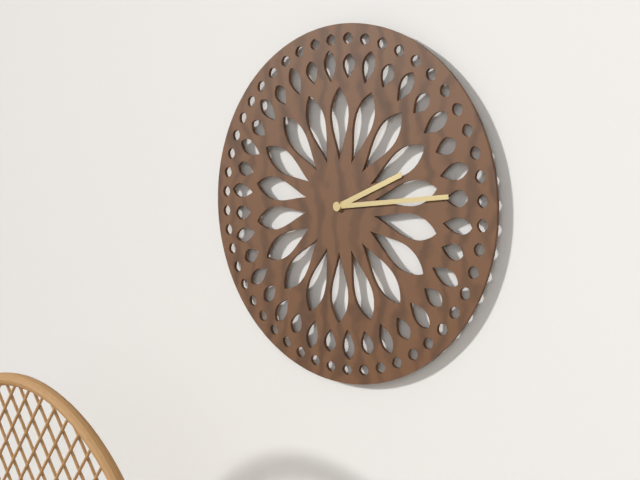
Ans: 2:14
